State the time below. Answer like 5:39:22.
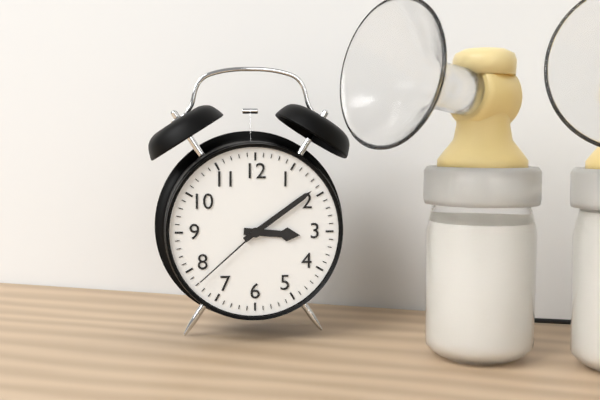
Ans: 3:09:38
